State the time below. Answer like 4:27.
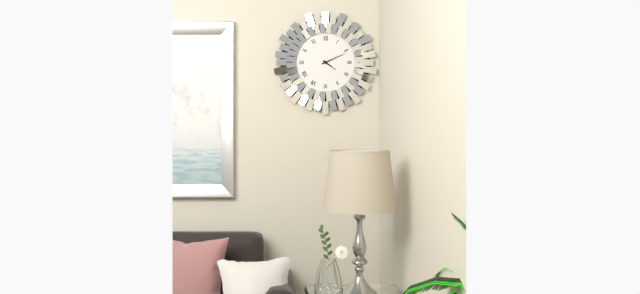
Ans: 4:11
